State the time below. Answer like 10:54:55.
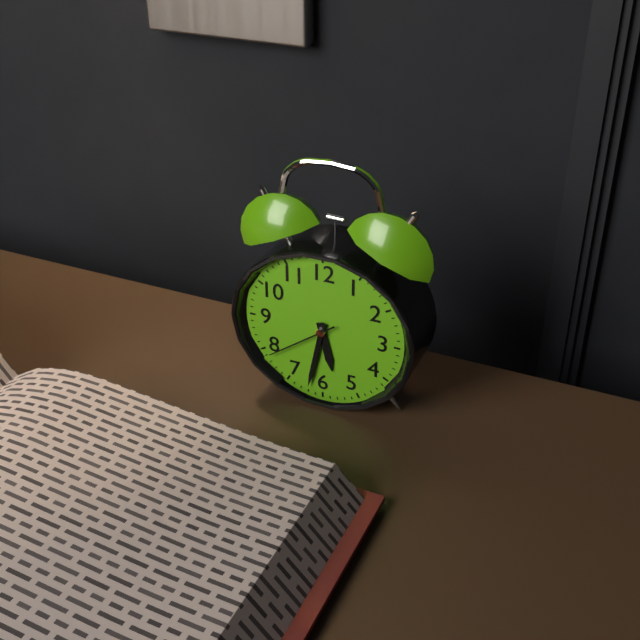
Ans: 5:32:39
